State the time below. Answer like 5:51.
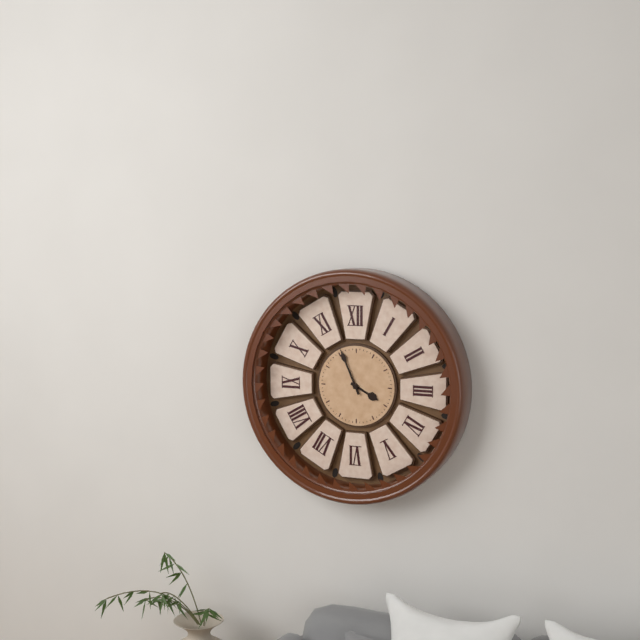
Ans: 3:56
